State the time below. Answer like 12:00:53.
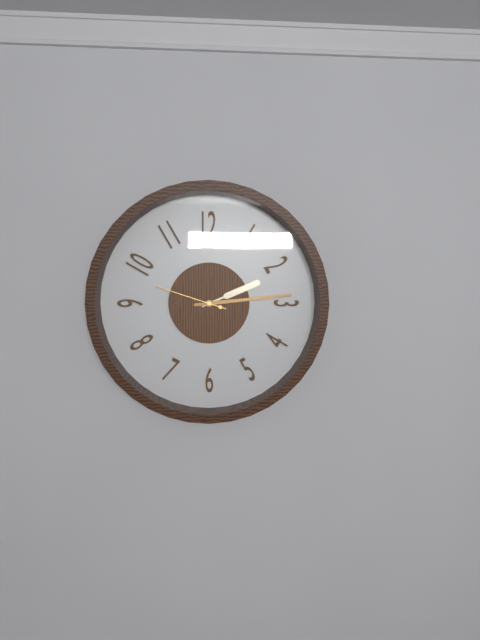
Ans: 2:14:48
